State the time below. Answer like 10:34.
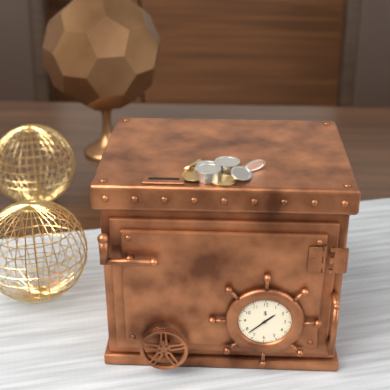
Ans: 1:38
